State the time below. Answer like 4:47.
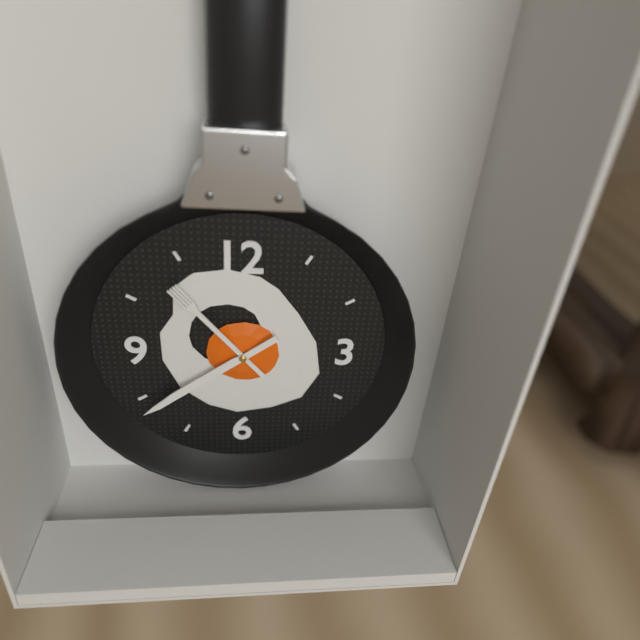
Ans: 10:39
